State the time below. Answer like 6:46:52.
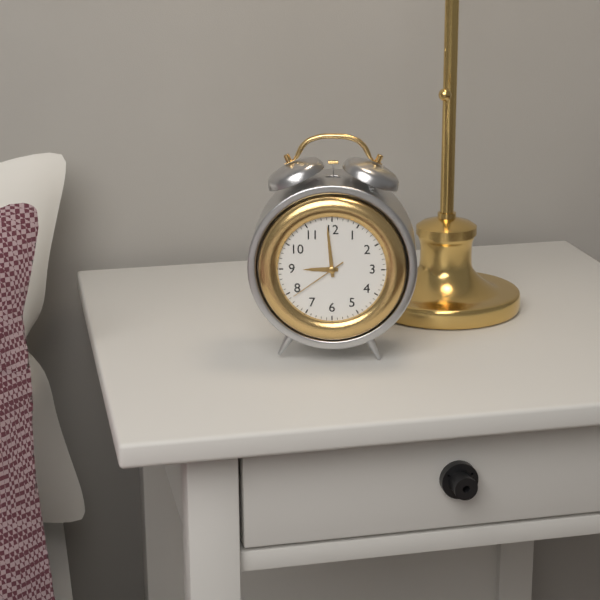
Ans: 8:59:39
